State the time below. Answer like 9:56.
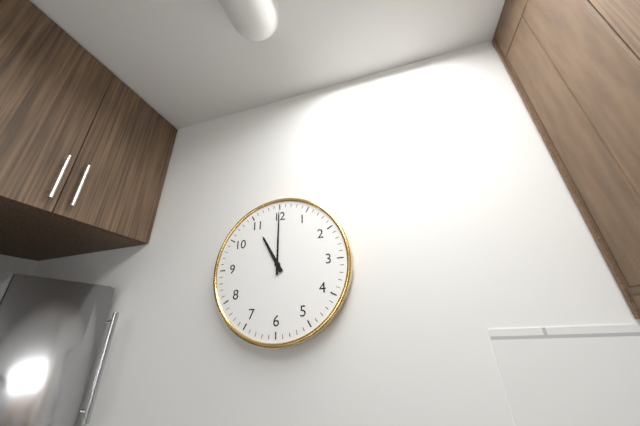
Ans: 11:00
